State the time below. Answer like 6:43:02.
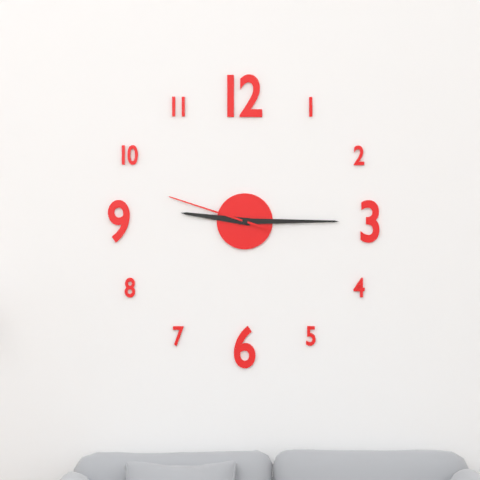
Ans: 9:15:48
